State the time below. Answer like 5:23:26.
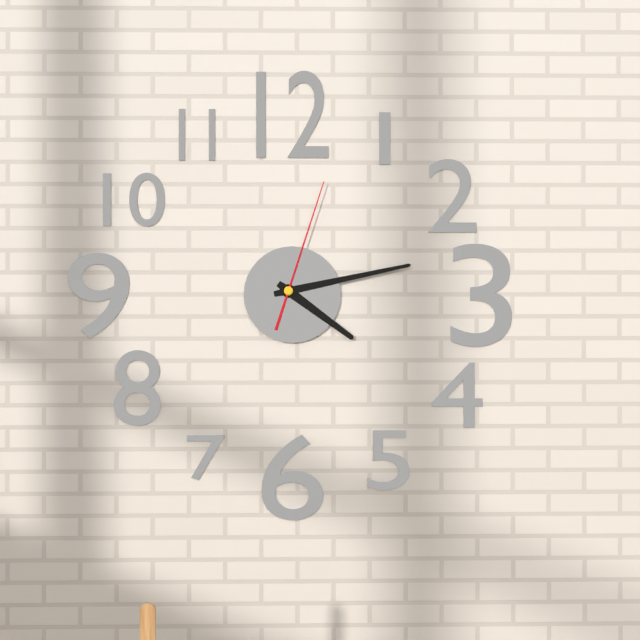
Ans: 4:13:03
